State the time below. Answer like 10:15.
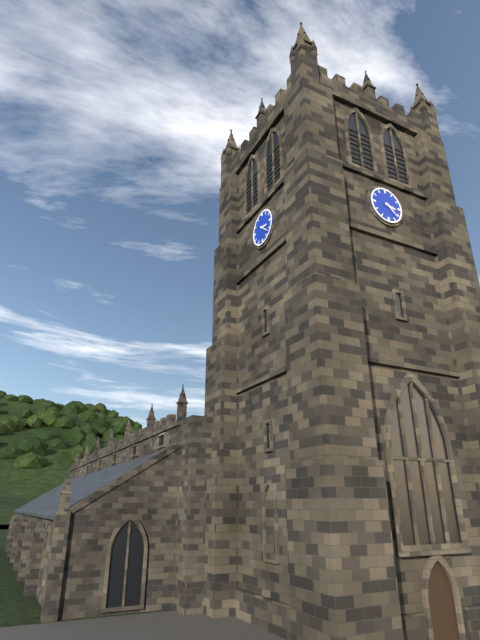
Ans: 3:22
